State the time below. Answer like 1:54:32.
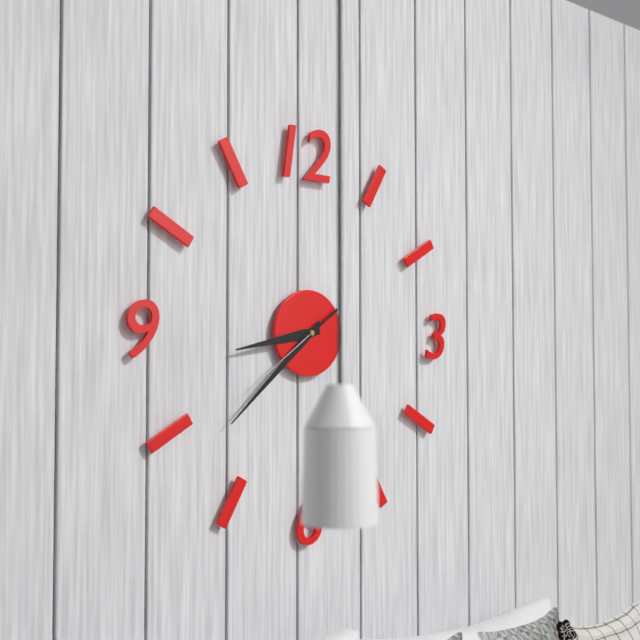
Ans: 8:38:39
